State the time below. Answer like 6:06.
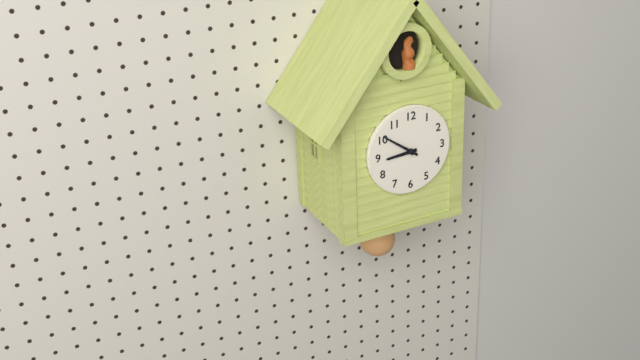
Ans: 8:51
